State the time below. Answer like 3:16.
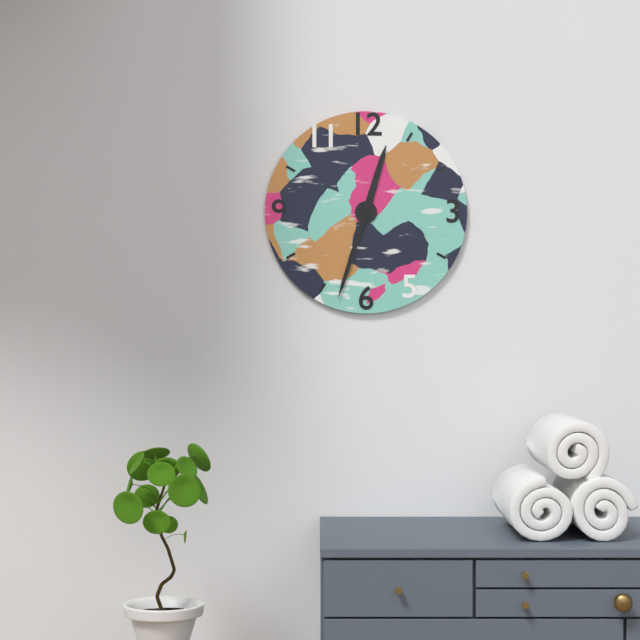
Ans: 12:33
